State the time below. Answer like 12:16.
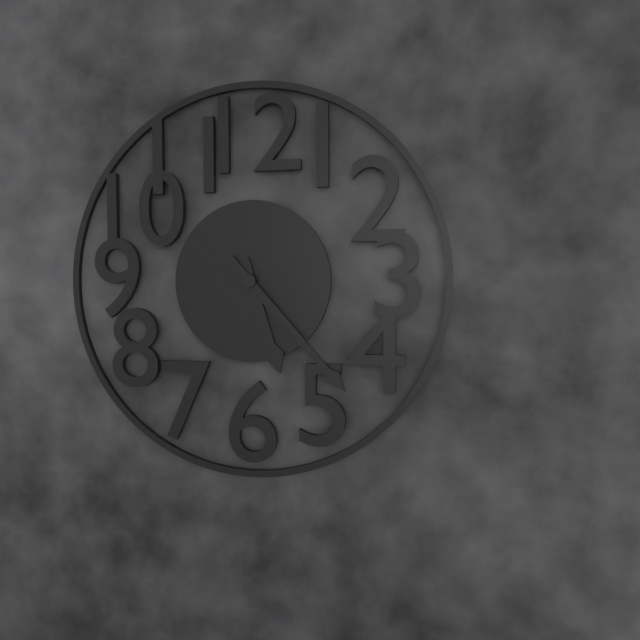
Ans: 5:23
